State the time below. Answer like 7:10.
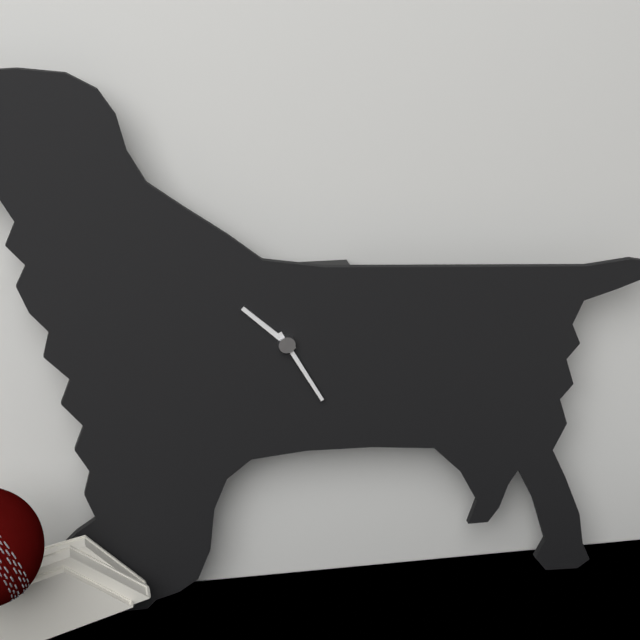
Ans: 10:25
